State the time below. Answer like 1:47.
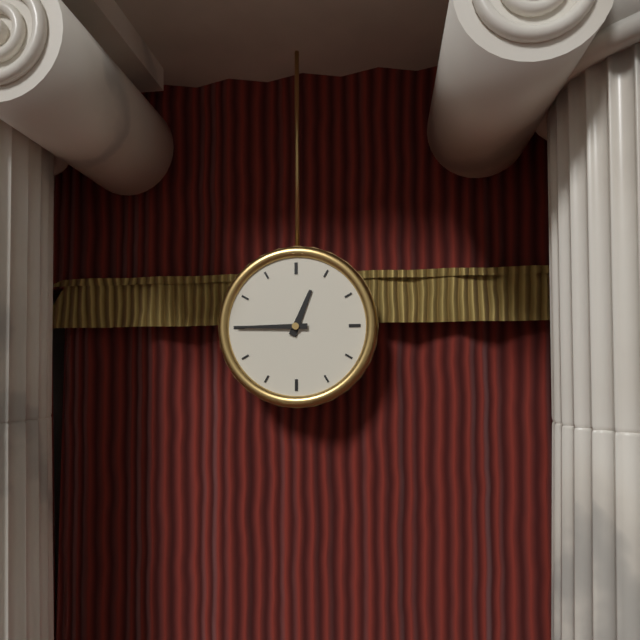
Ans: 12:45
